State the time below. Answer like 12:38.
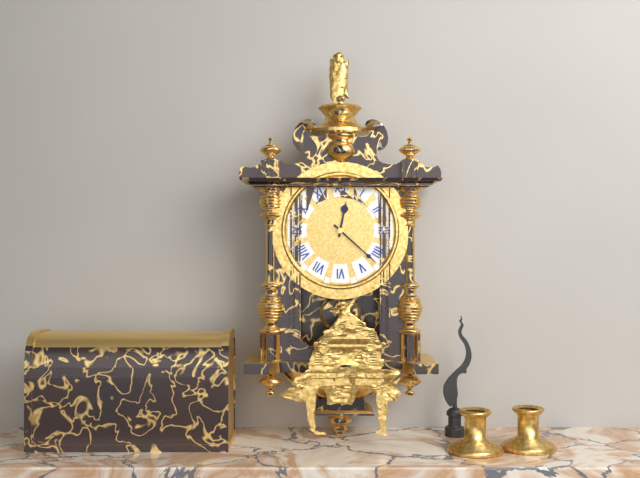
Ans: 12:22
